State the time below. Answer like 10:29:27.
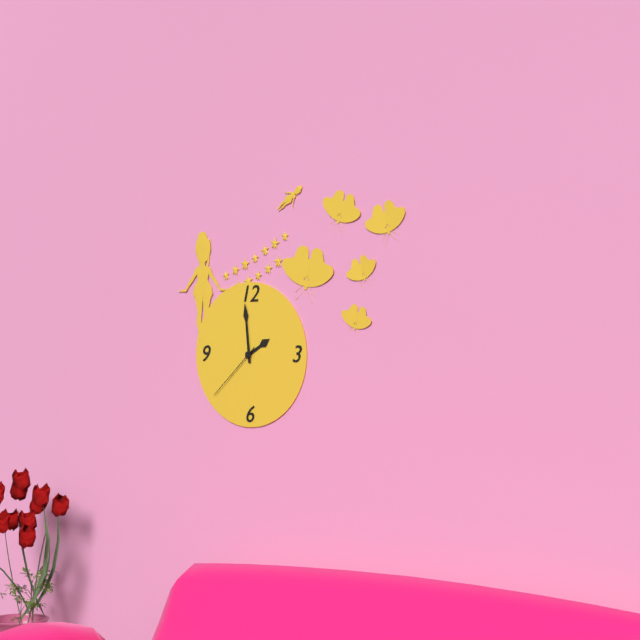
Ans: 1:59:38
